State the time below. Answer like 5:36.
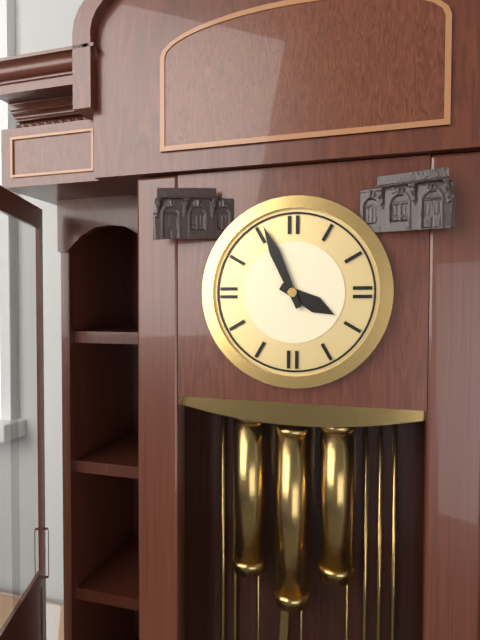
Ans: 3:56
